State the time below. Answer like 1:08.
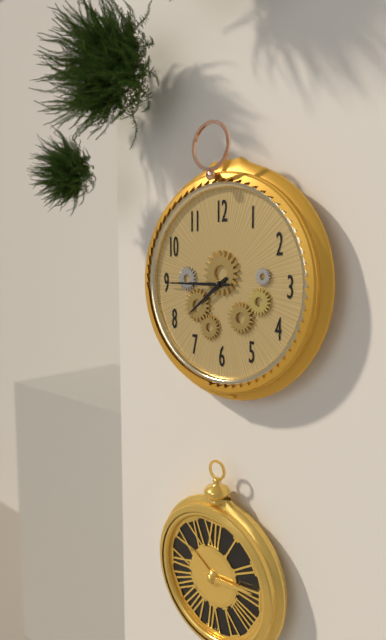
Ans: 7:45
